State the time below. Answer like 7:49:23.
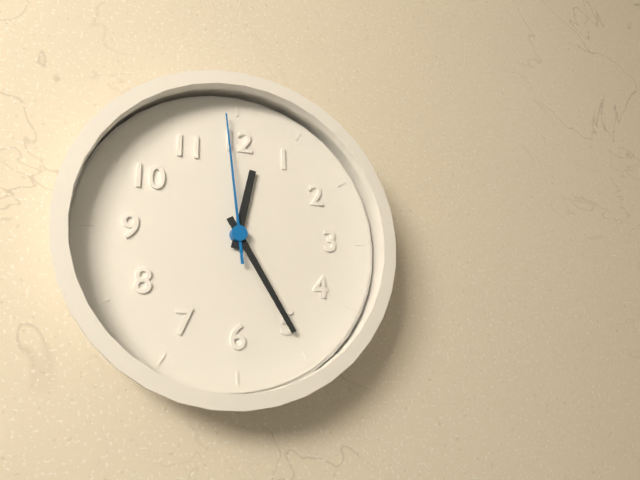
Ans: 12:25:59
